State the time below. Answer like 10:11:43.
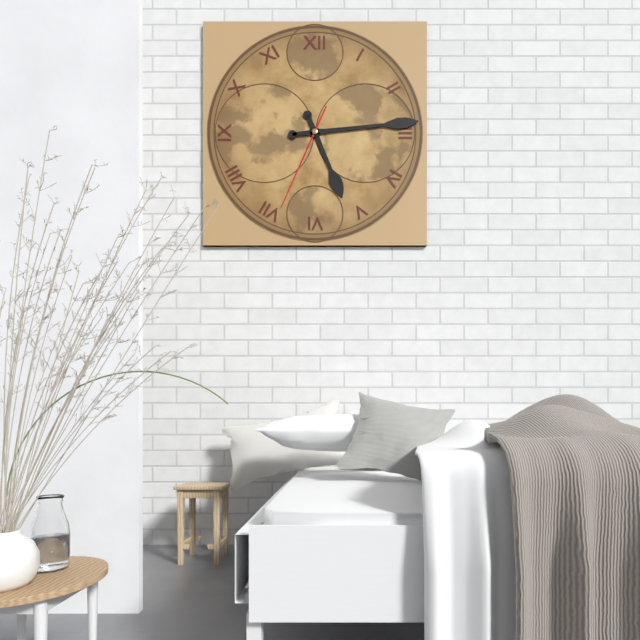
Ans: 5:14:34
